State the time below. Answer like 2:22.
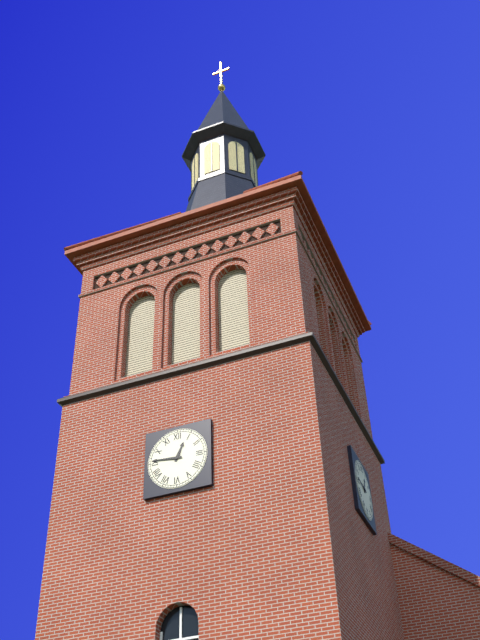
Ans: 12:46
